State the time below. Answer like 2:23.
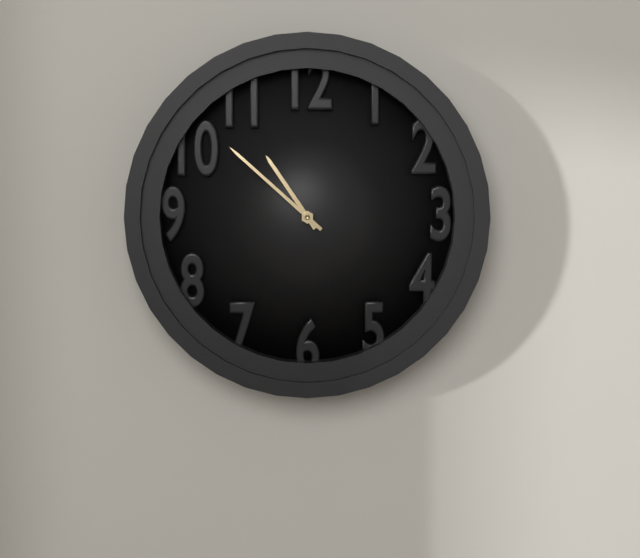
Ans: 10:52
